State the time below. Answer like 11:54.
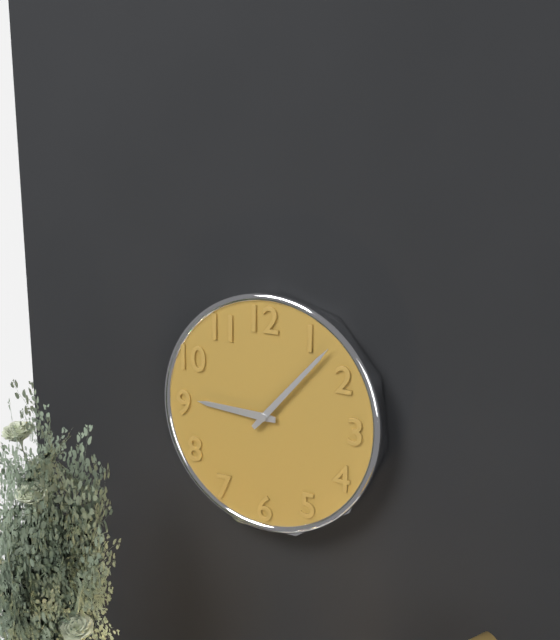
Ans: 9:07
